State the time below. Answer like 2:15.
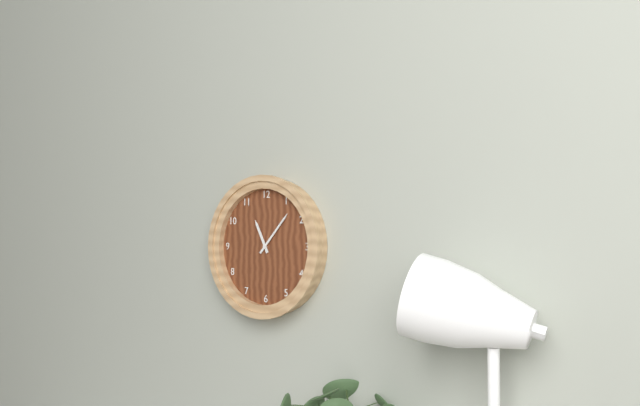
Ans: 11:07
